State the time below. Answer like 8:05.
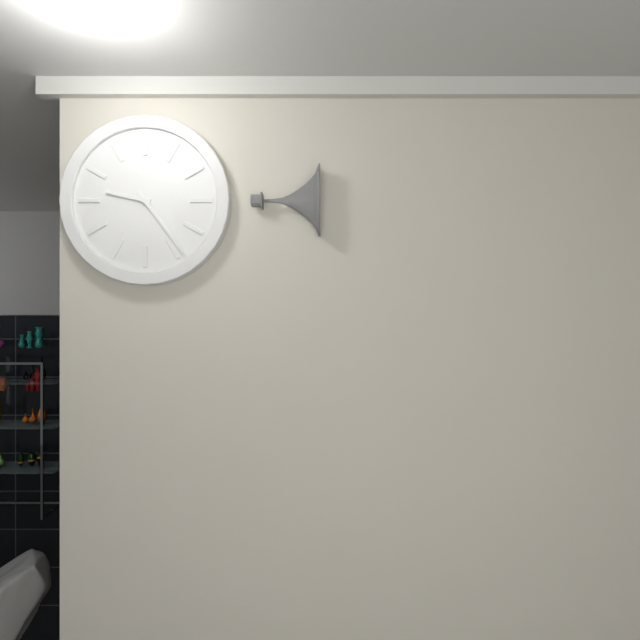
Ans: 9:24
